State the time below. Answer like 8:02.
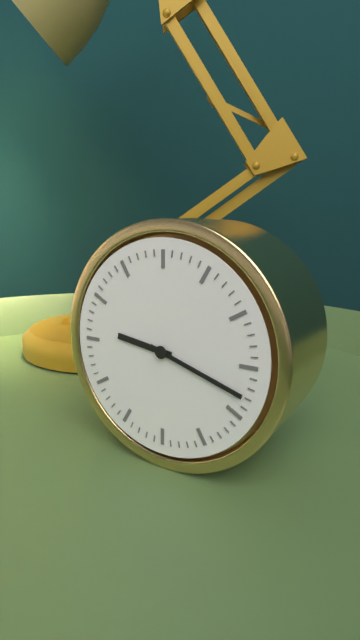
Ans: 9:18
